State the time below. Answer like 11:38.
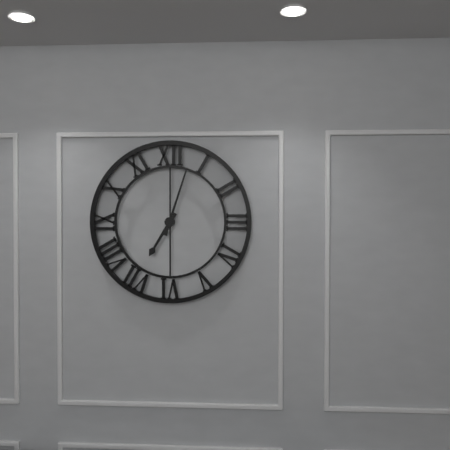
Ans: 7:03
